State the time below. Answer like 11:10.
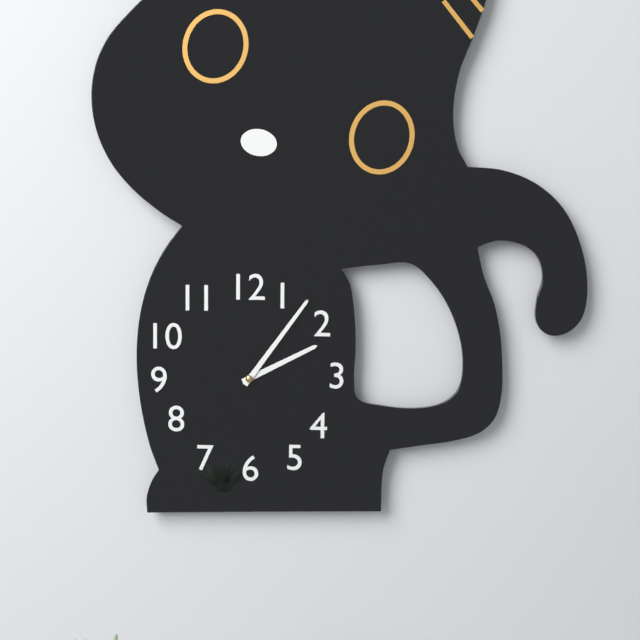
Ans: 2:06
